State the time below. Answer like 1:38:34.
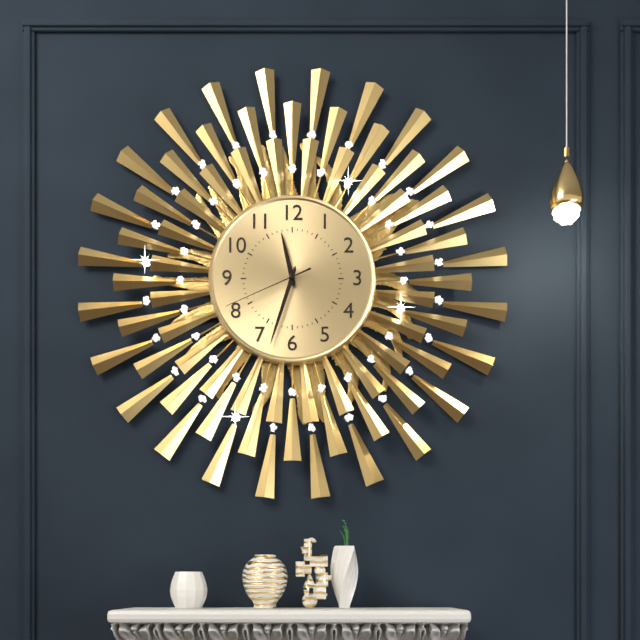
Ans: 11:33:41
